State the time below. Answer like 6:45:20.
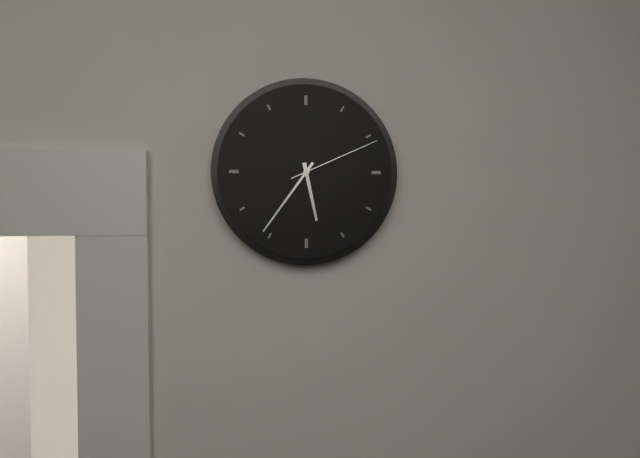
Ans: 5:36:11
